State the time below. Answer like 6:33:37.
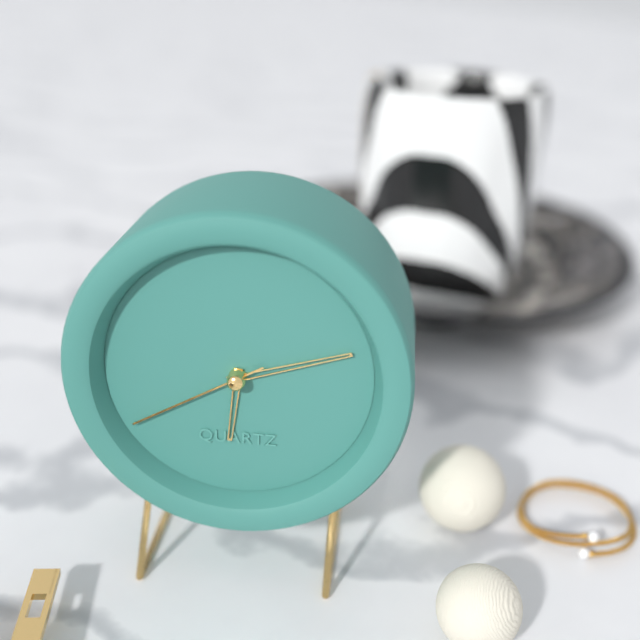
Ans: 6:12:40
